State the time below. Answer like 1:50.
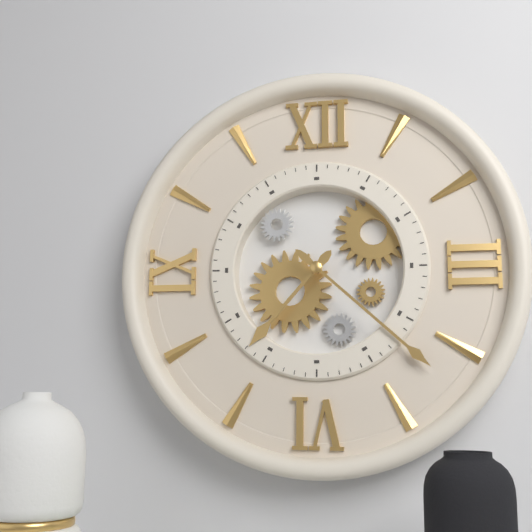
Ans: 7:22
